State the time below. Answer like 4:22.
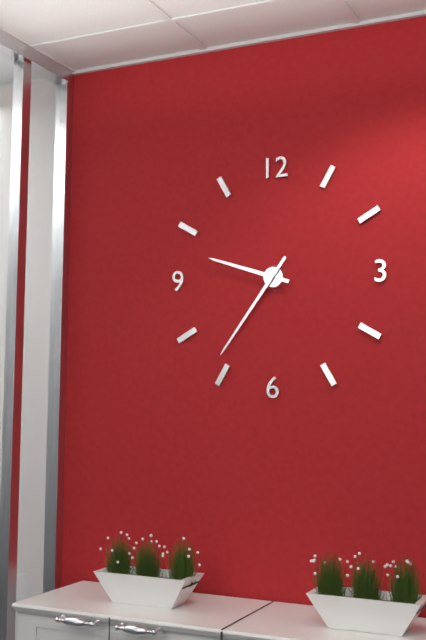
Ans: 9:36
